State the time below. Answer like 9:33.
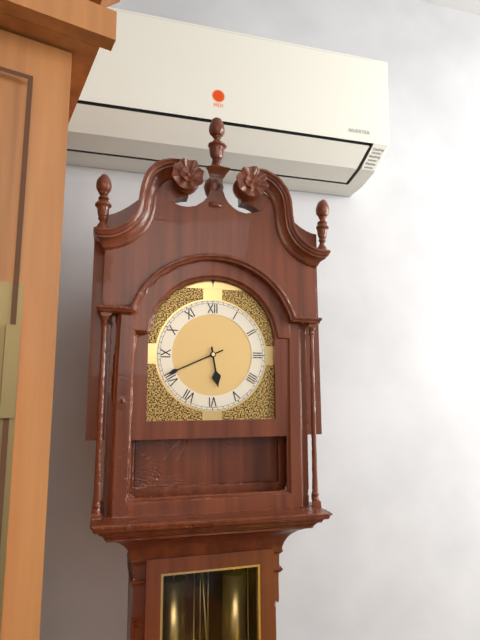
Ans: 5:41
